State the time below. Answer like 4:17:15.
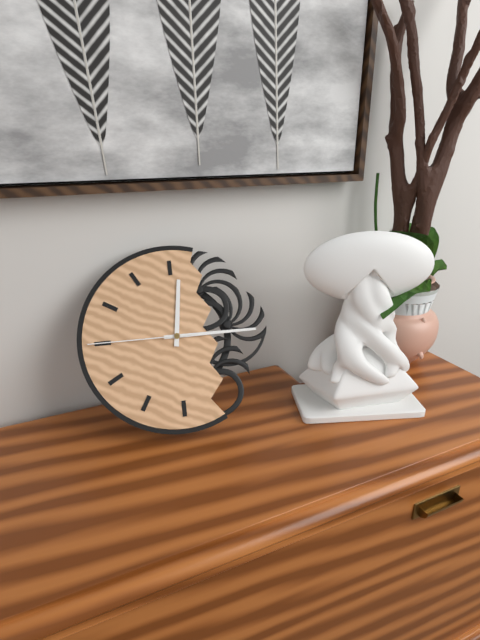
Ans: 12:15:45
